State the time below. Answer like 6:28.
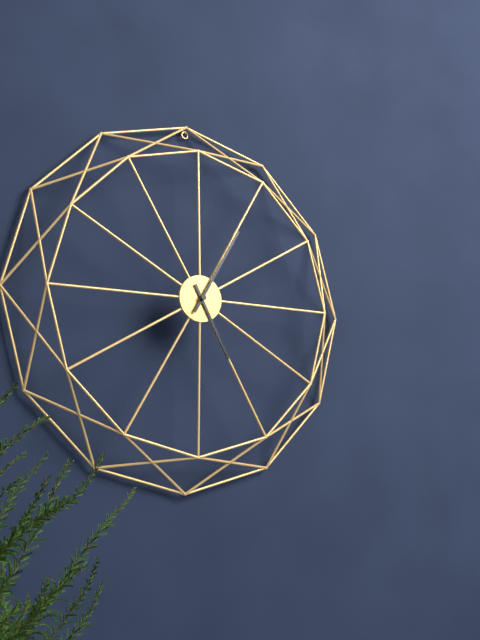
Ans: 5:05
